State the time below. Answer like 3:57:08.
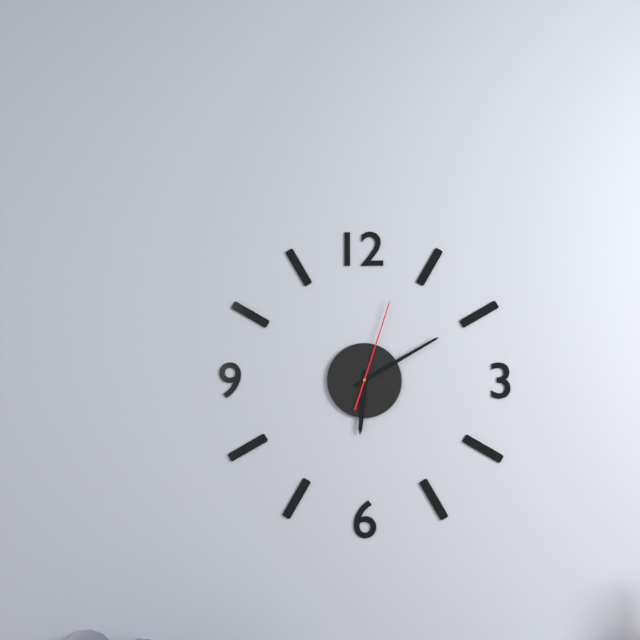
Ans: 6:10:03
